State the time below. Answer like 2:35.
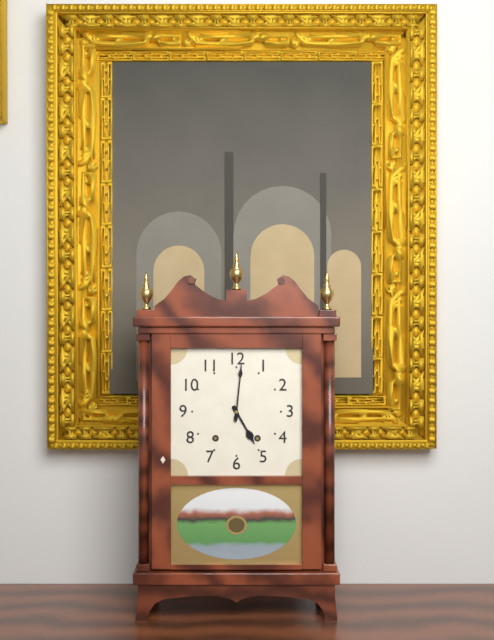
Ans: 5:01
